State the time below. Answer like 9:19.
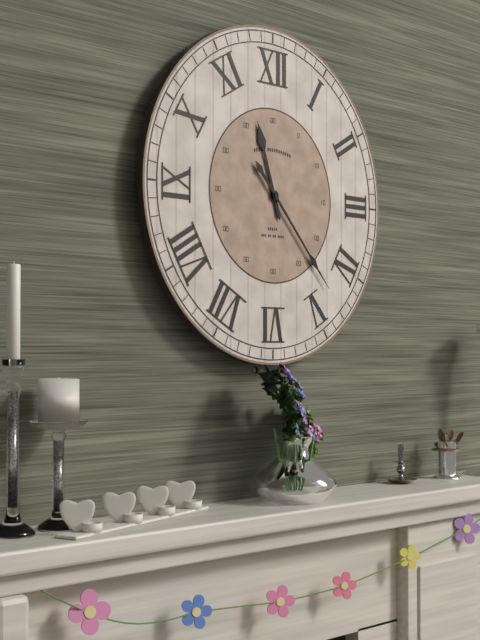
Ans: 11:23
